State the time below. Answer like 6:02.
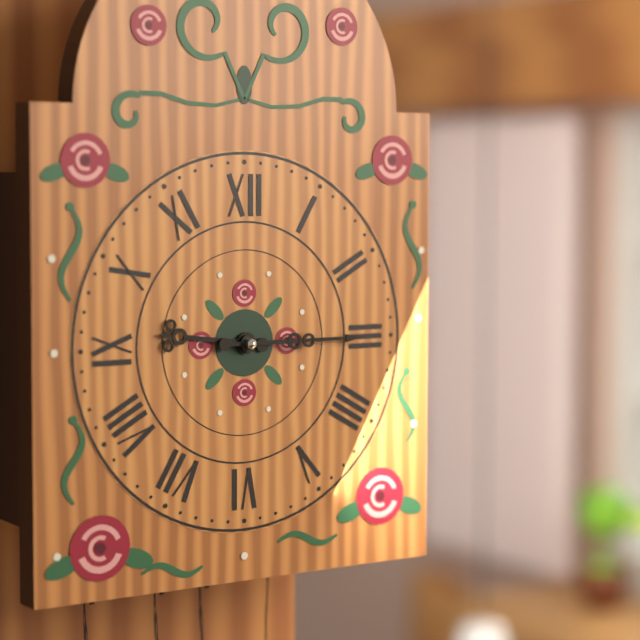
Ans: 9:15
